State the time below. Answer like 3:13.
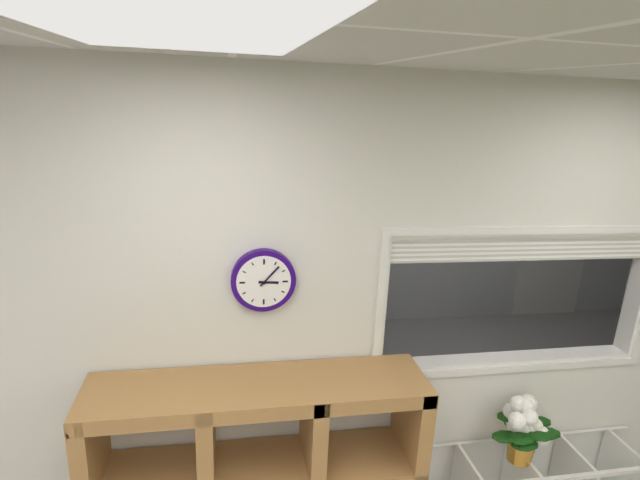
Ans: 3:07
